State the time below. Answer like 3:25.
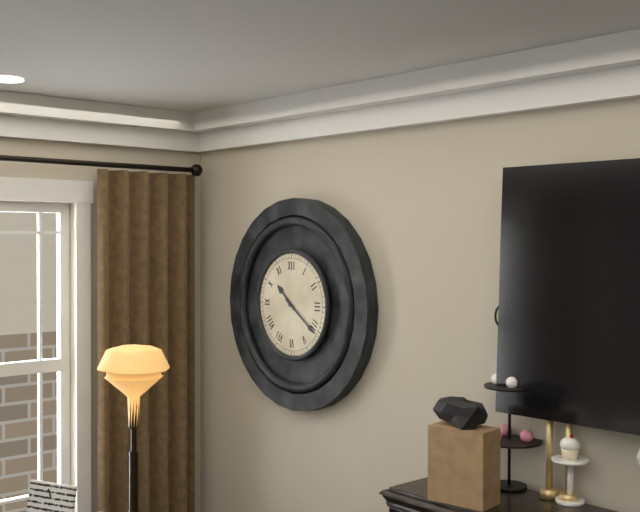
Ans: 10:21
